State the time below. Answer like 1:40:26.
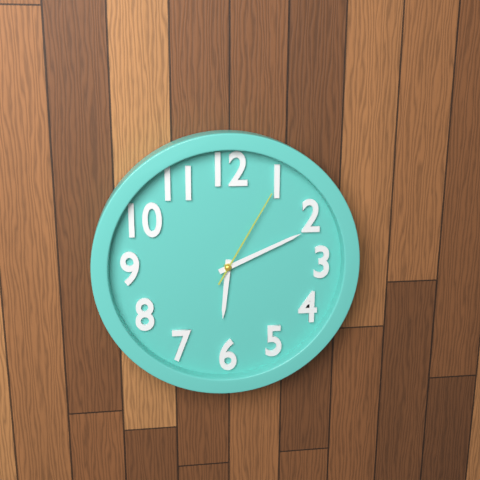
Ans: 6:11:05
